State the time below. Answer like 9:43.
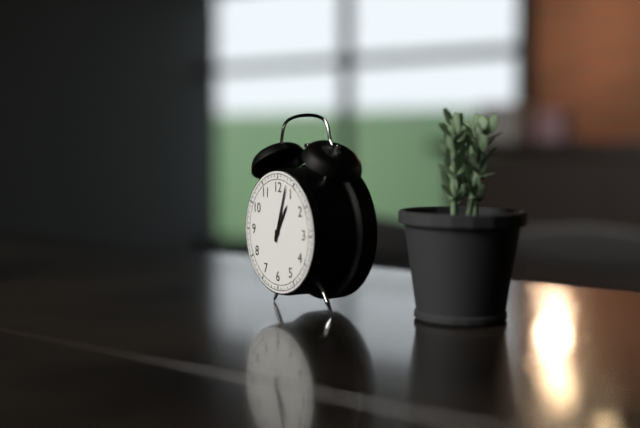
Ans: 1:03
